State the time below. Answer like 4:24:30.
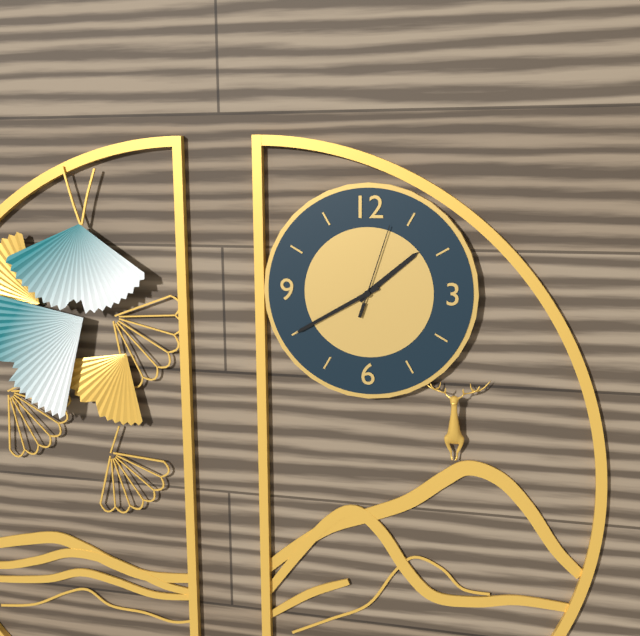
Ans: 1:40:03
